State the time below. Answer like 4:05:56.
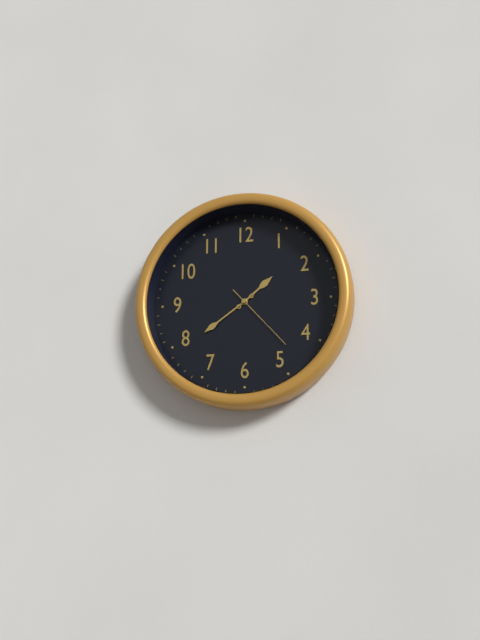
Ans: 1:39:23
